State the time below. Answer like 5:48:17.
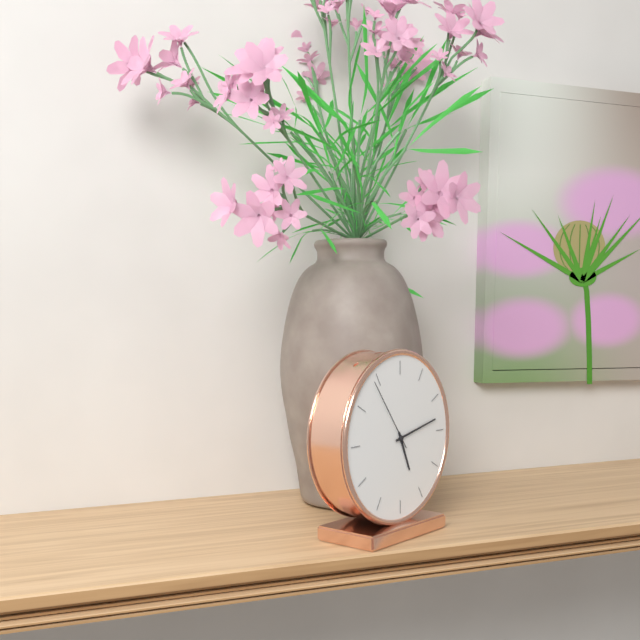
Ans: 5:13:54
